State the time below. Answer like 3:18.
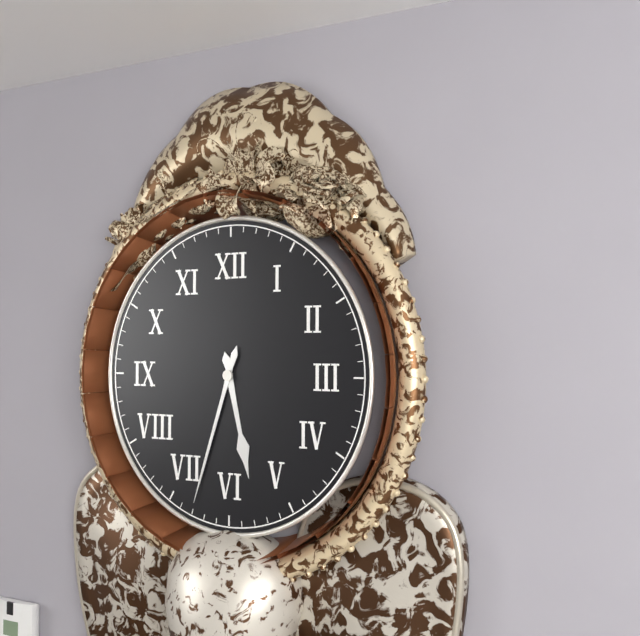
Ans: 5:33
